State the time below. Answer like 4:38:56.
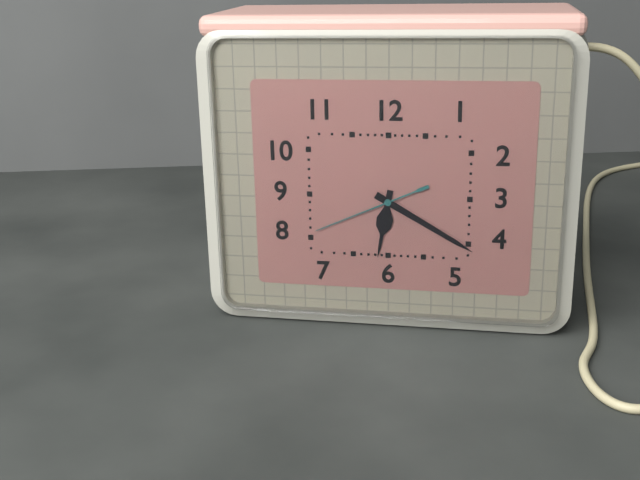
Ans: 6:20:41
